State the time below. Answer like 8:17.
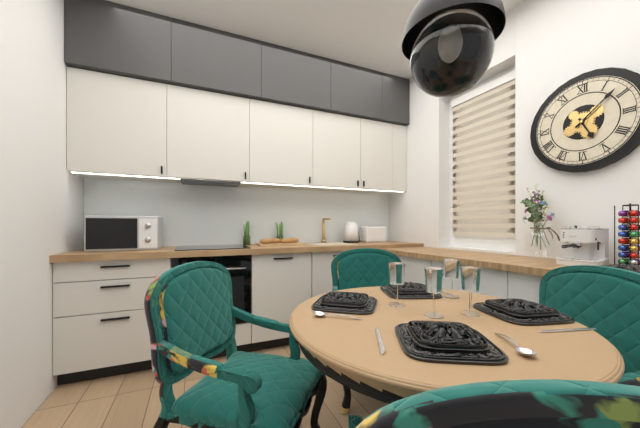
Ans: 5:08
